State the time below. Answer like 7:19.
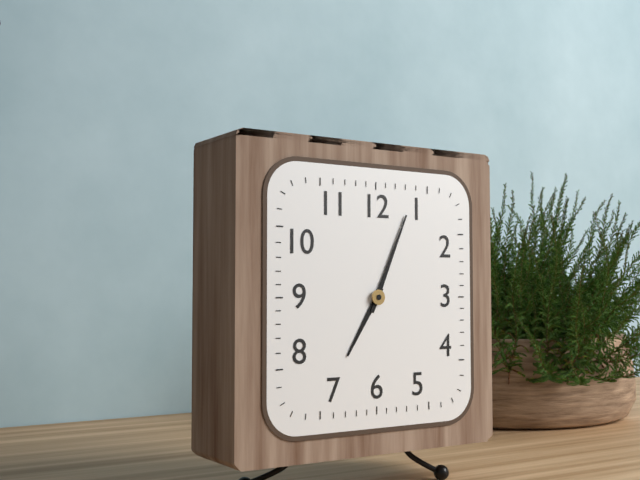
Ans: 7:04
